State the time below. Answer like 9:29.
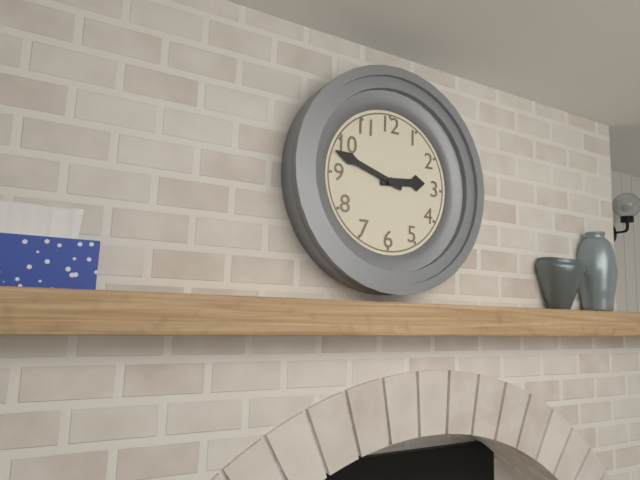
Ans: 2:48
